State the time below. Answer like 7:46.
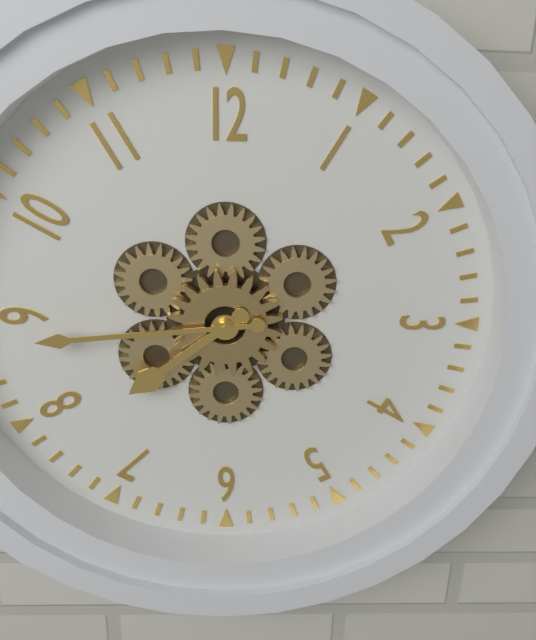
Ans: 7:44
